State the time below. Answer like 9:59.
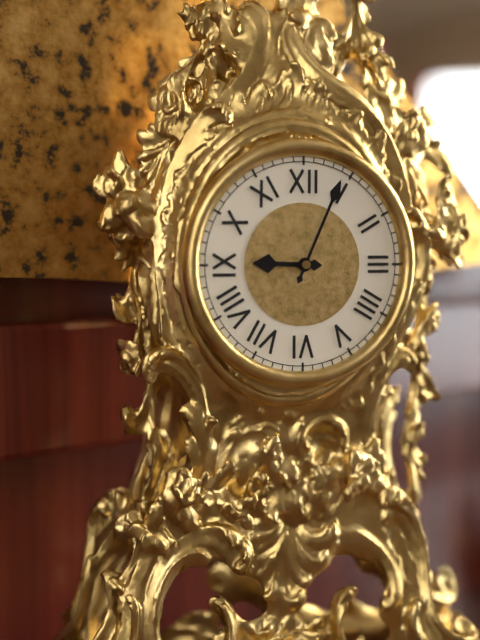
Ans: 9:04
